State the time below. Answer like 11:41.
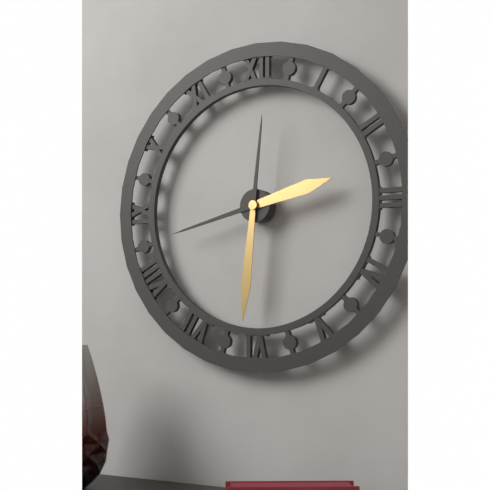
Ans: 2:31
